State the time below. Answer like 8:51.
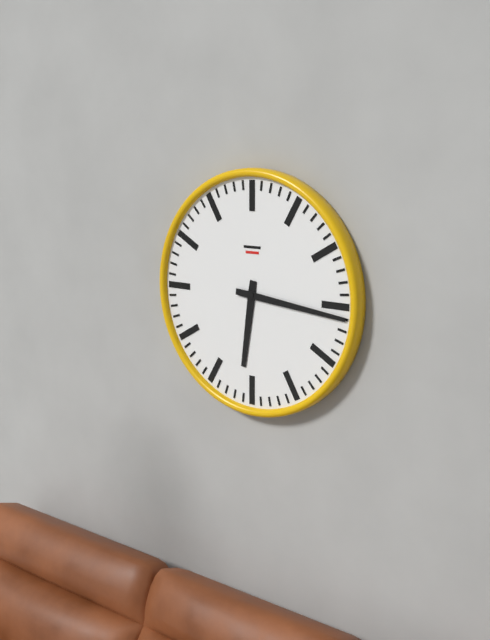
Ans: 6:16
